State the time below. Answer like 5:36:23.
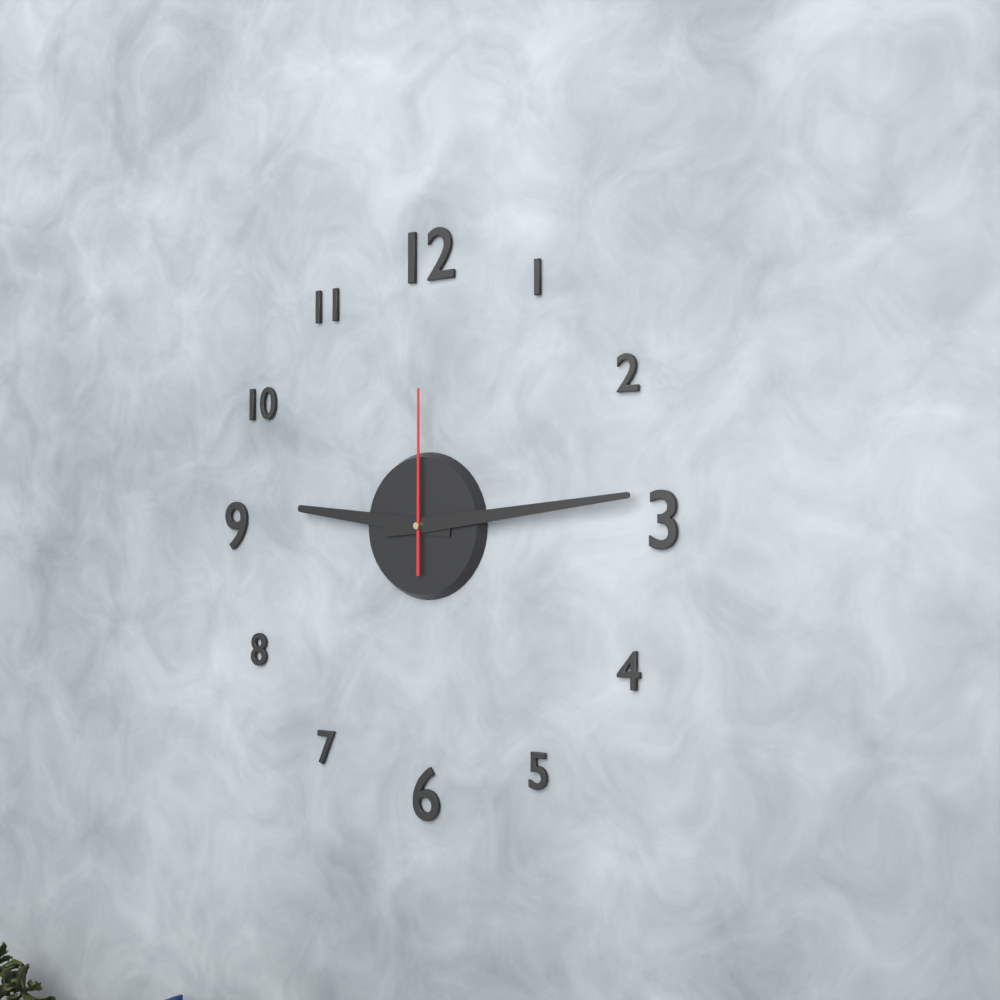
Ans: 9:14:00
